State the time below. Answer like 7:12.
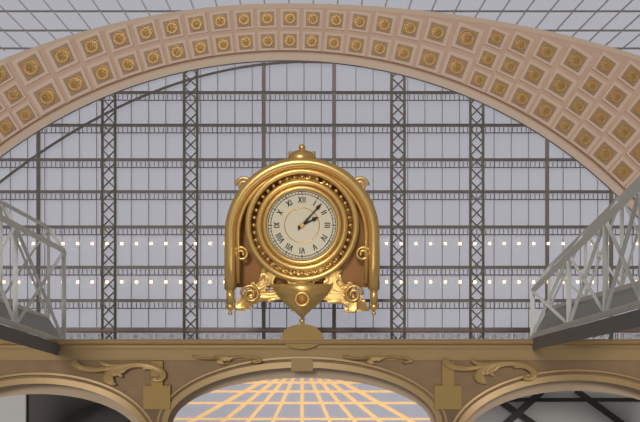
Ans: 2:07
